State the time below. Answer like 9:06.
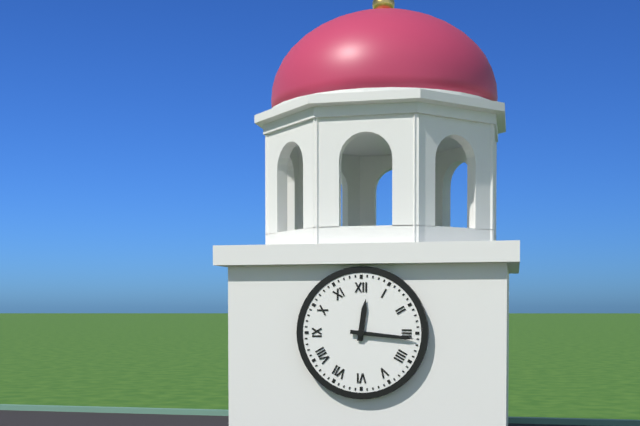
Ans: 12:16
